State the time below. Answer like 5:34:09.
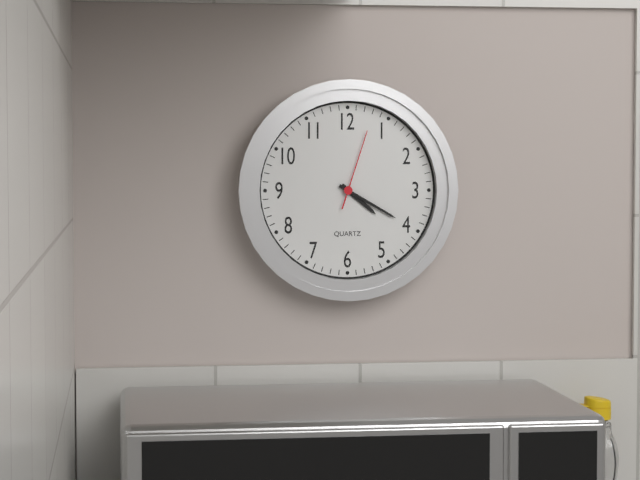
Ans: 4:20:03
